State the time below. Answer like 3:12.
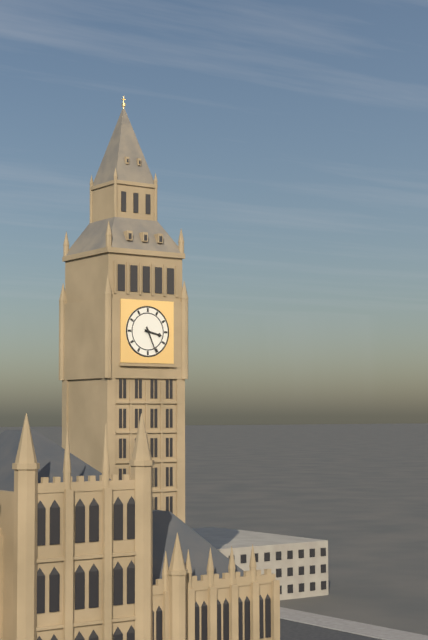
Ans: 3:26
